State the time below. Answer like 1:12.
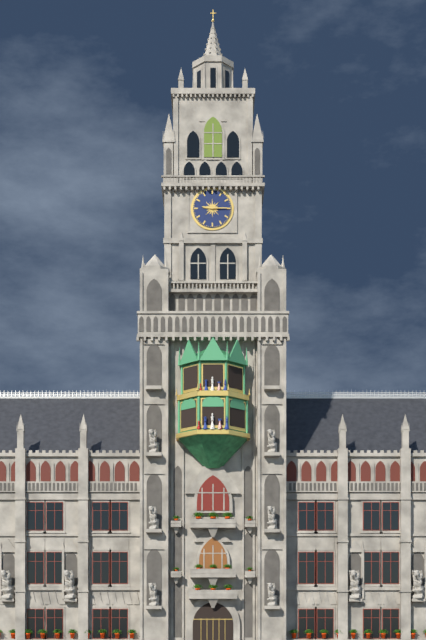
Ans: 9:15
